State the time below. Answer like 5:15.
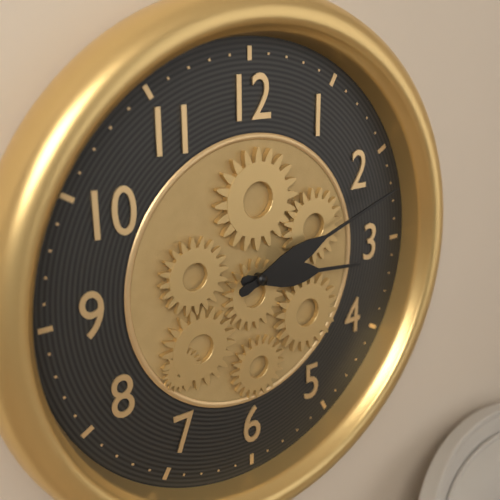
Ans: 3:12
